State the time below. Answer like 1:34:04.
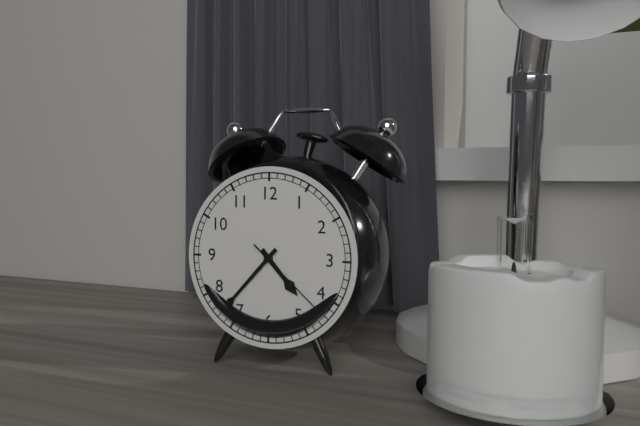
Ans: 4:37:22
